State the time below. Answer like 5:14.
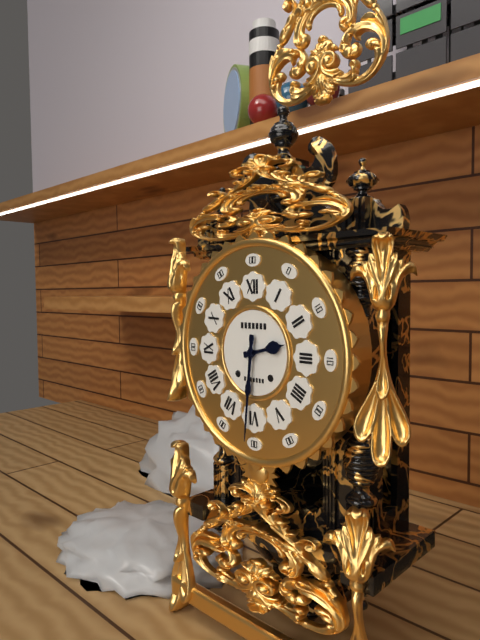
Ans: 2:31
